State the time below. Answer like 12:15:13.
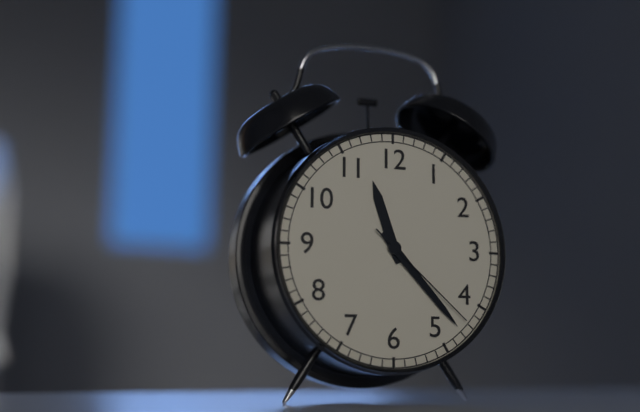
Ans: 11:23:22
